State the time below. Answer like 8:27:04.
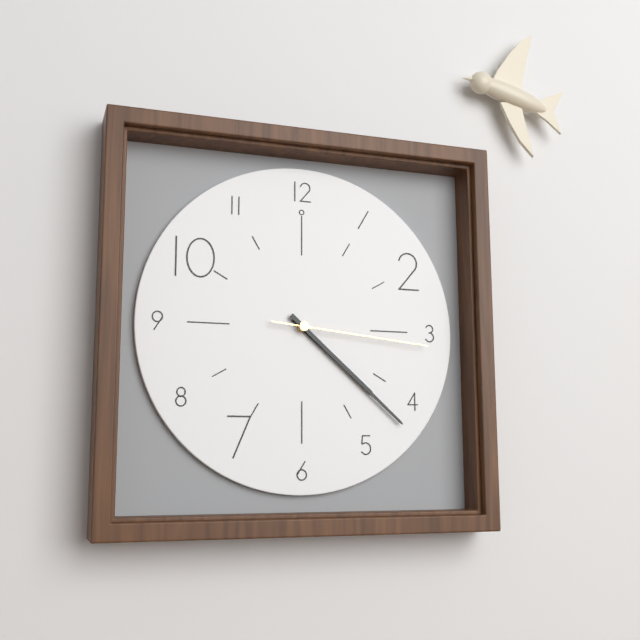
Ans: 4:22:16
